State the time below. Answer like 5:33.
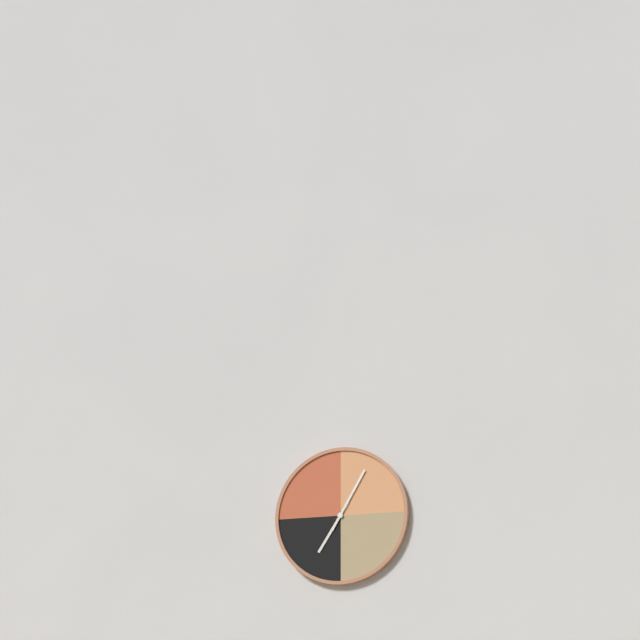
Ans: 7:05
